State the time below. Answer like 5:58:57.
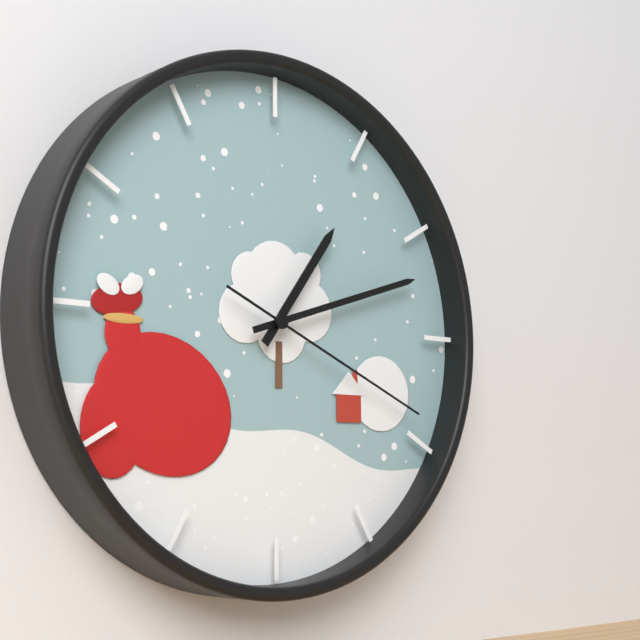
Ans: 1:12:19
